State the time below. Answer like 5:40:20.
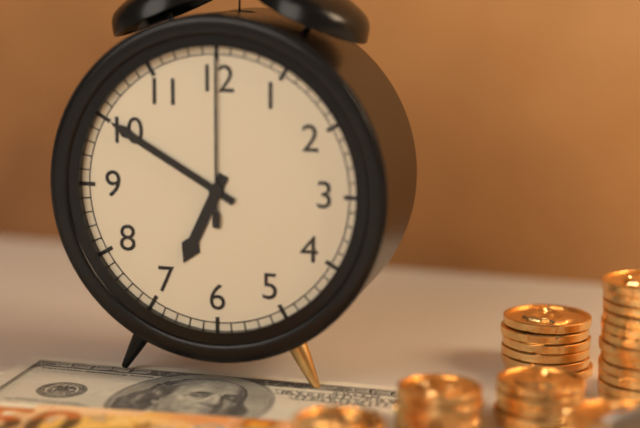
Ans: 6:50:00
